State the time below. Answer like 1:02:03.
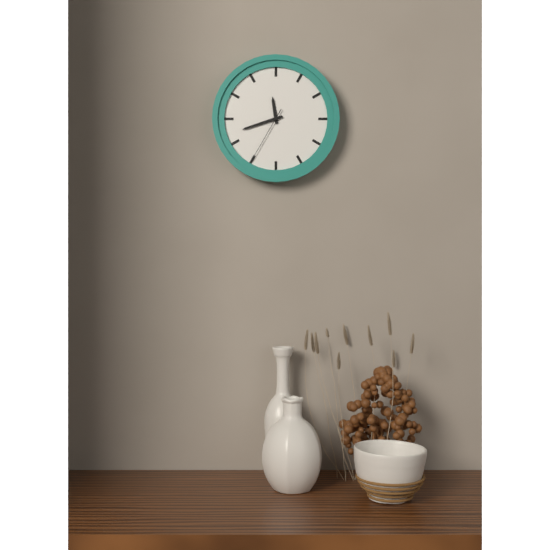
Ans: 11:42:35
